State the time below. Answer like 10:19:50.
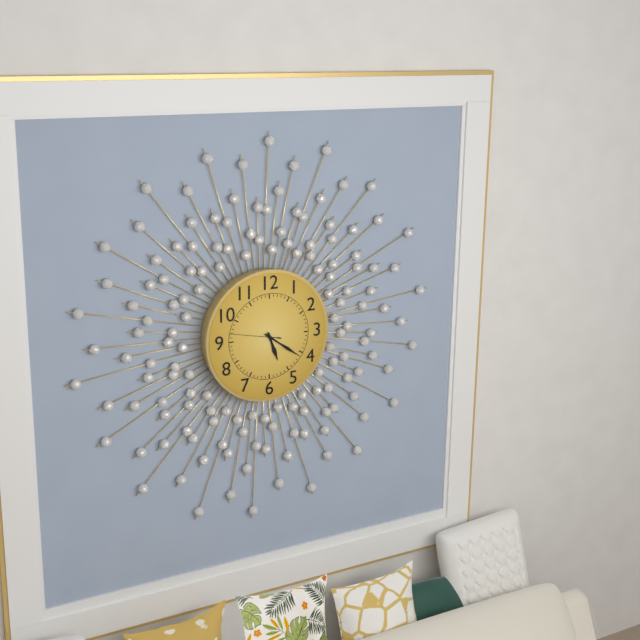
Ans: 5:21:47
